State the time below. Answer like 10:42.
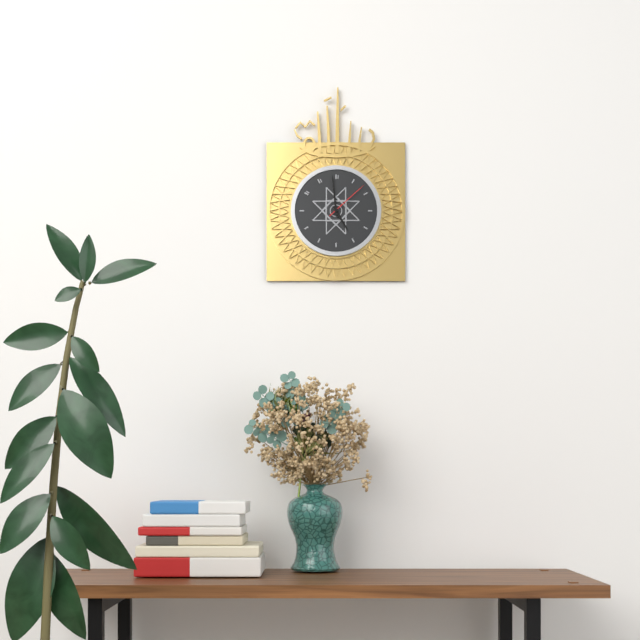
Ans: 4:59
